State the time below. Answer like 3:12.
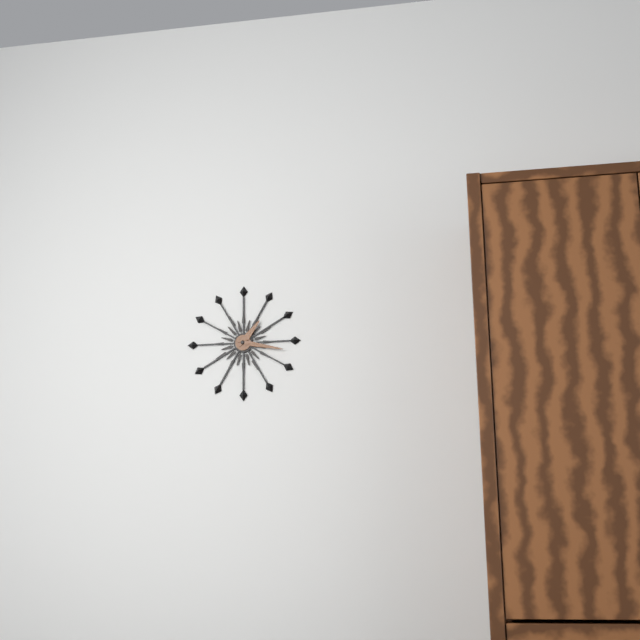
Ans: 1:17
